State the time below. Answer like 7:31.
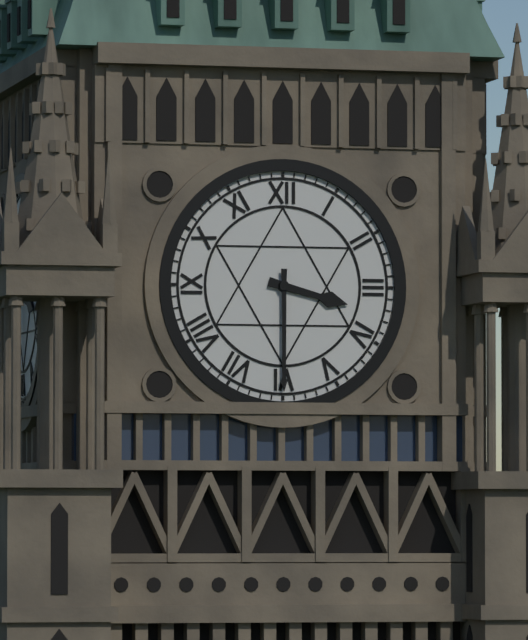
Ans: 3:30
